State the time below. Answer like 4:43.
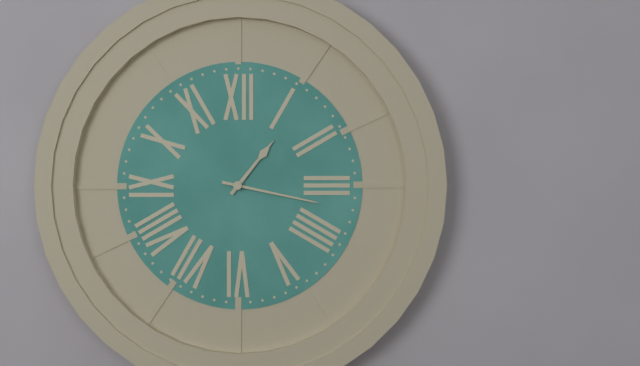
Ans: 1:17
